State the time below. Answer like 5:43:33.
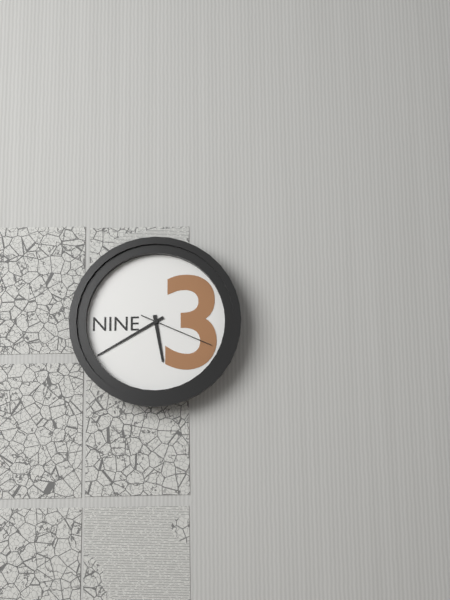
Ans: 5:40:19
